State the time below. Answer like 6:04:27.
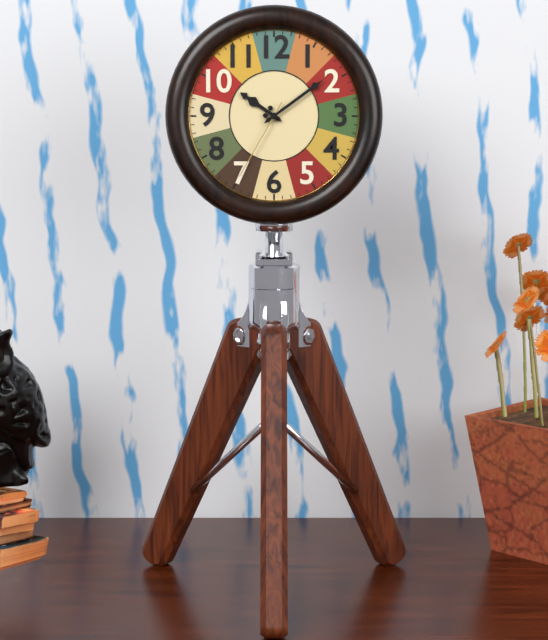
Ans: 10:09:35
